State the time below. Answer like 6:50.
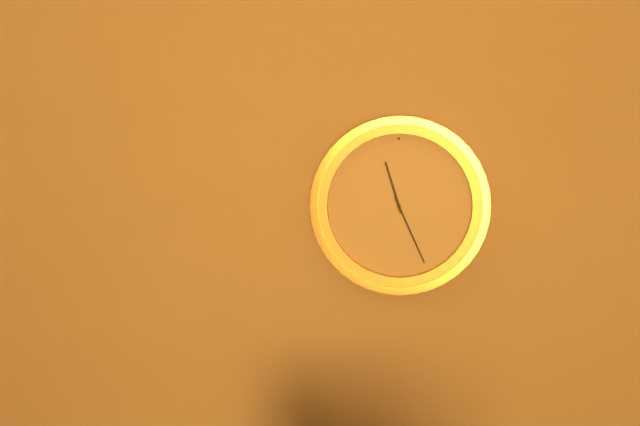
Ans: 11:26
